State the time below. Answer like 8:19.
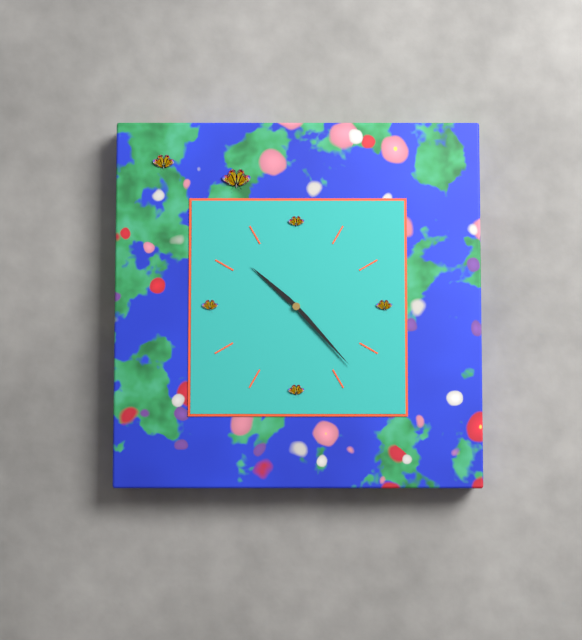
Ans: 10:23
